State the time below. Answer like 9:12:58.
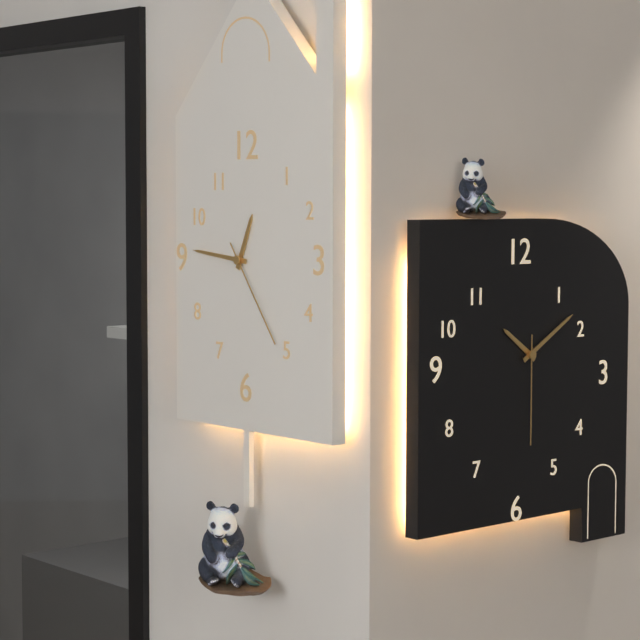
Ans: 12:46:24
